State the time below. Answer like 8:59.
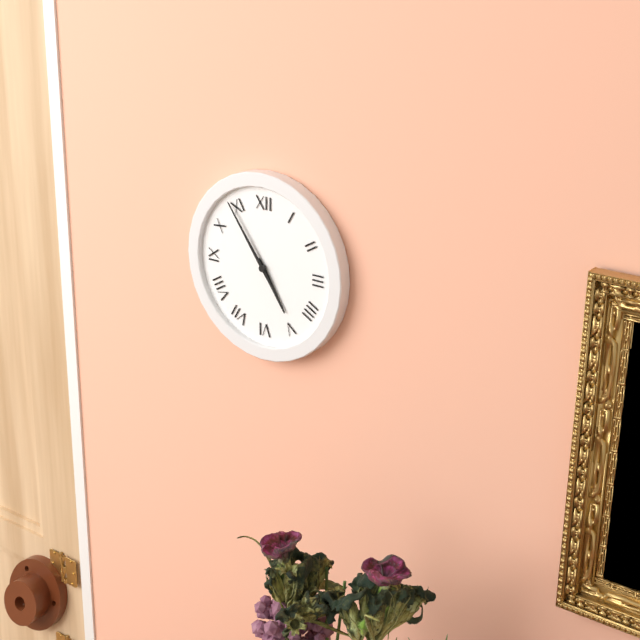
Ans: 4:54
